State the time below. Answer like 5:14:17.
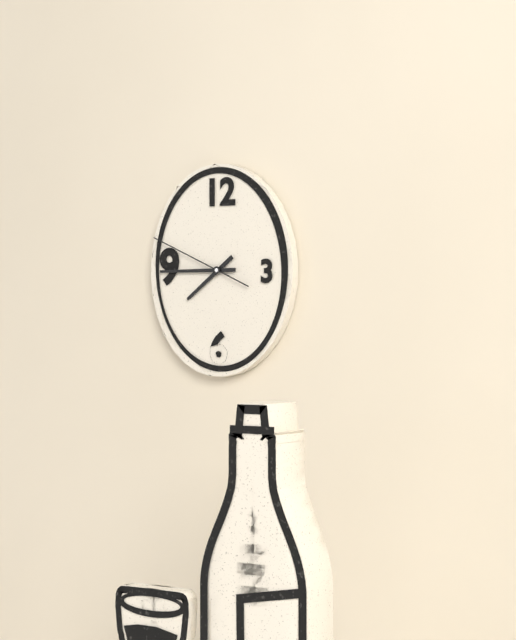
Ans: 7:45:49
